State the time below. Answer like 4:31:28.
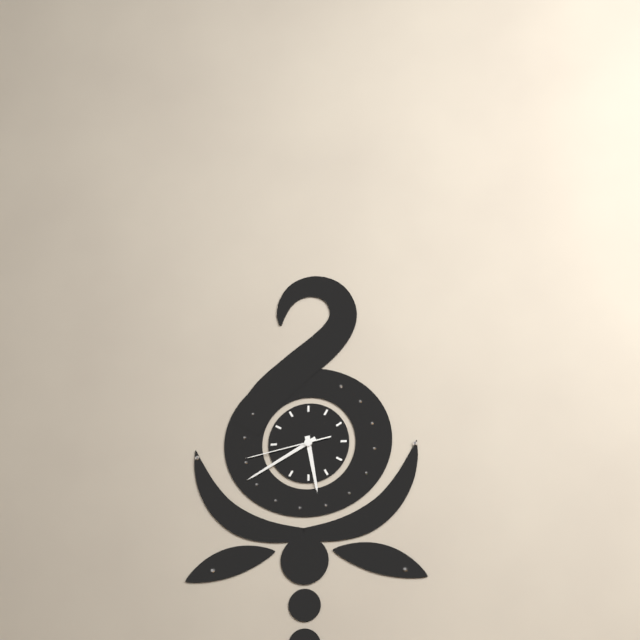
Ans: 5:40:43
